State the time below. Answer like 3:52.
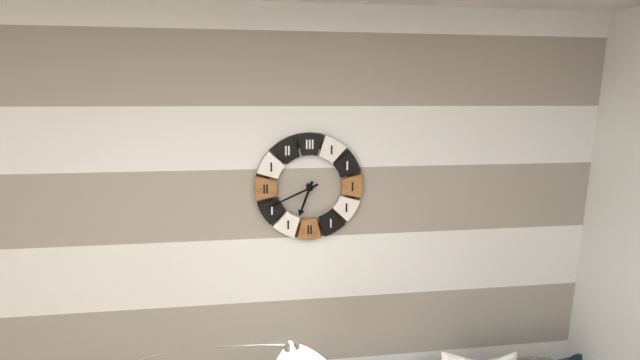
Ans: 6:41
